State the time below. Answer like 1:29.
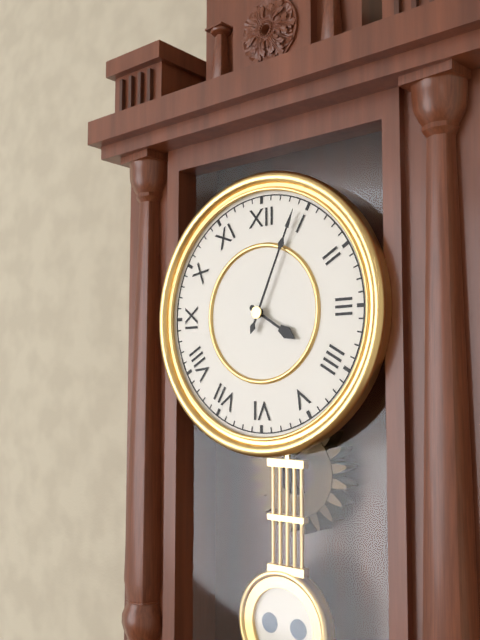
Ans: 4:04
